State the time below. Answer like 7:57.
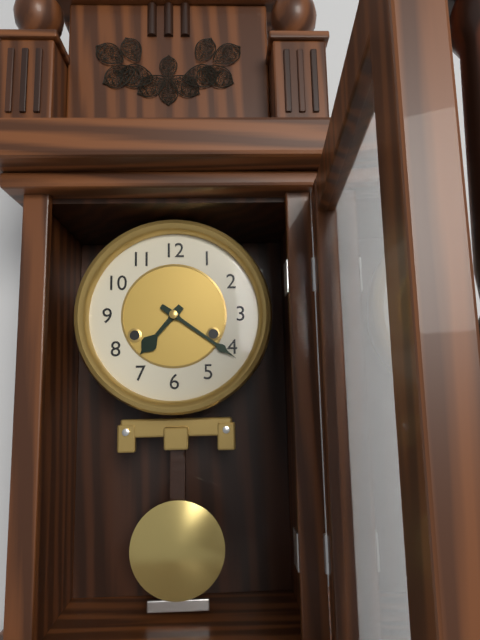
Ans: 7:21
